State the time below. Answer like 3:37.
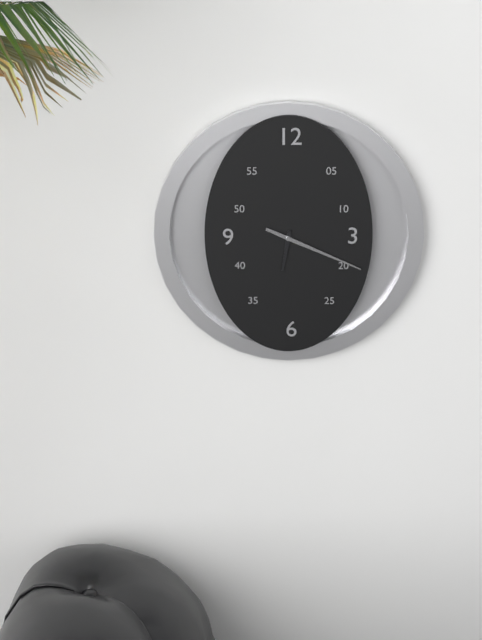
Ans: 6:19
